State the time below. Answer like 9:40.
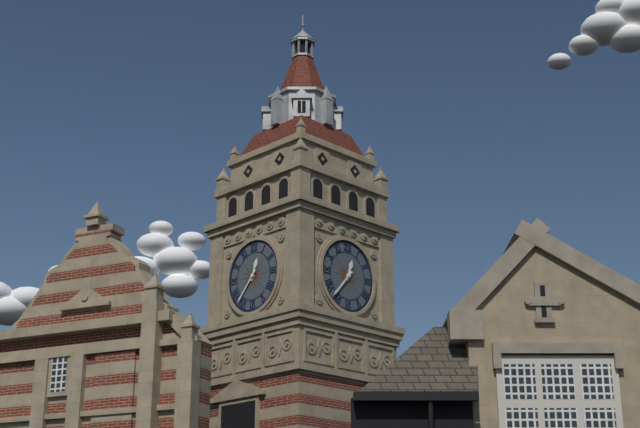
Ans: 12:37
